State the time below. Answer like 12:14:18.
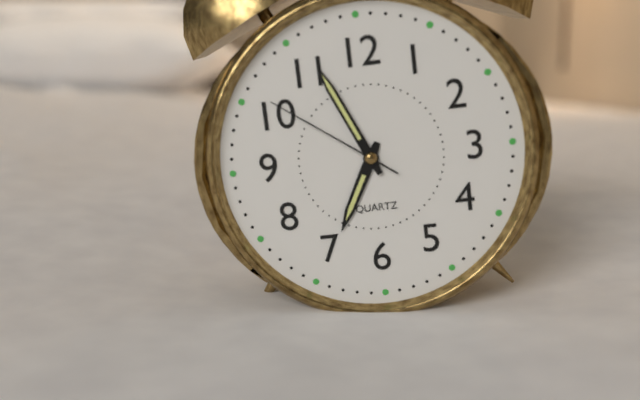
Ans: 6:56:51
